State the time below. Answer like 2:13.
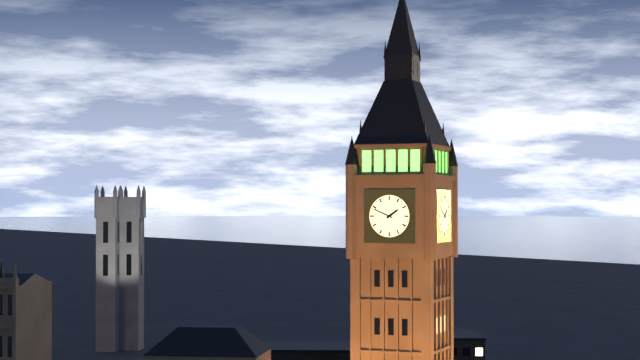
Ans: 1:49
